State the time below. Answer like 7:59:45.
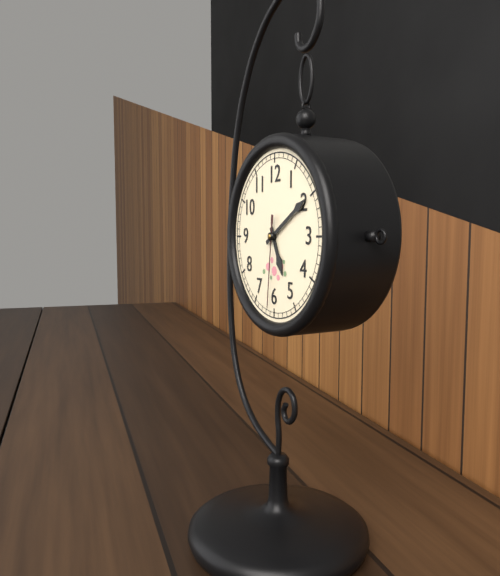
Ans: 5:10:31
